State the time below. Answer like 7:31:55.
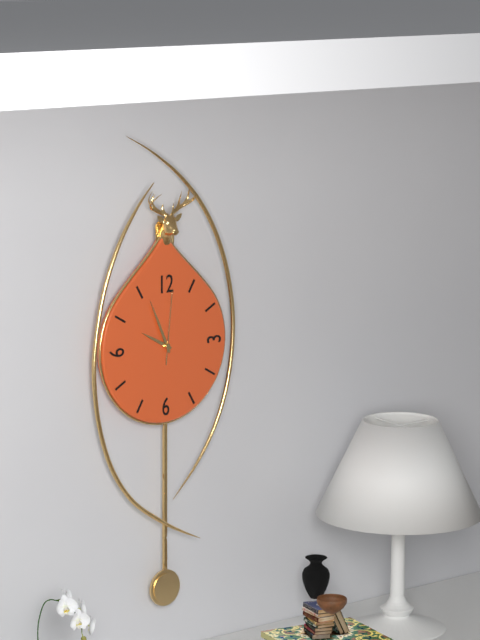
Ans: 9:56:01
